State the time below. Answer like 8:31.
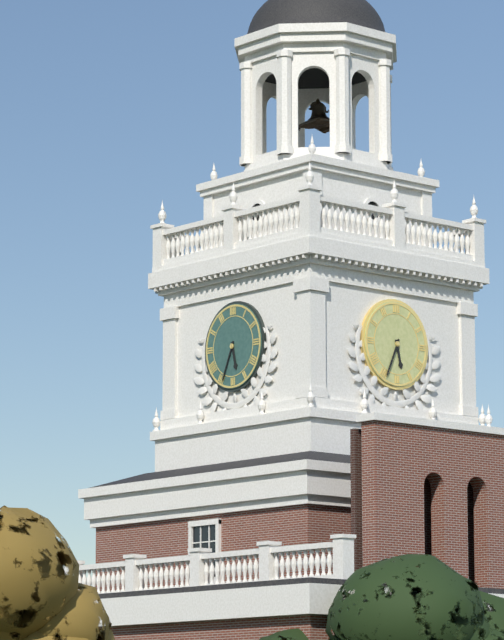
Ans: 5:34
